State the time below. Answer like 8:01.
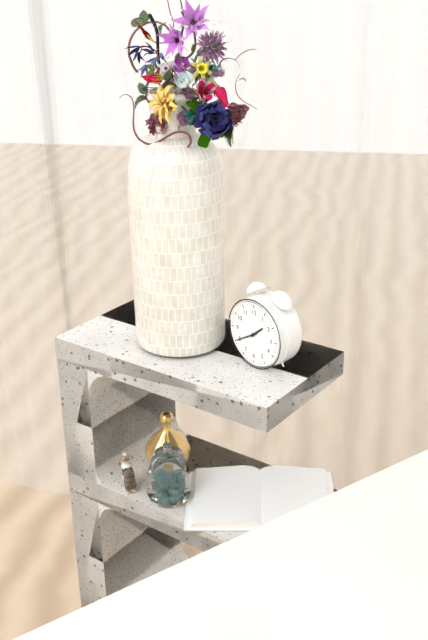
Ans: 1:40
